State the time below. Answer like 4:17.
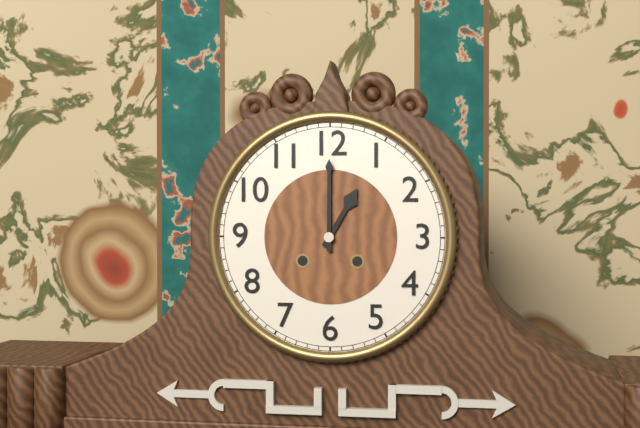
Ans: 1:00
